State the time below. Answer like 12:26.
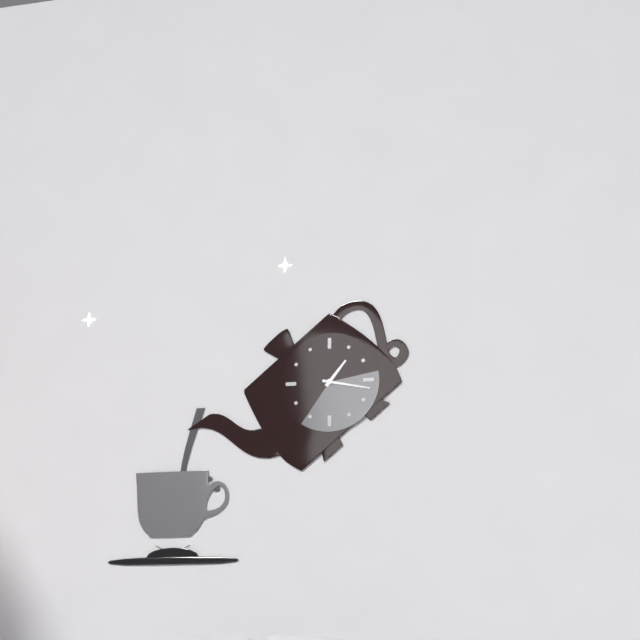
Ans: 1:17
